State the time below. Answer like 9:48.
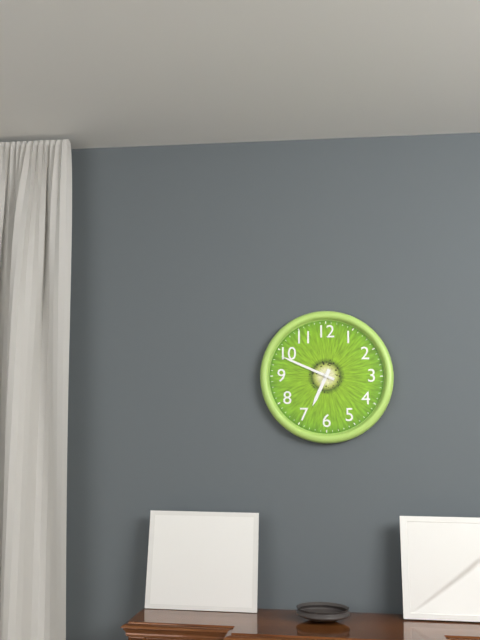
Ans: 6:49
